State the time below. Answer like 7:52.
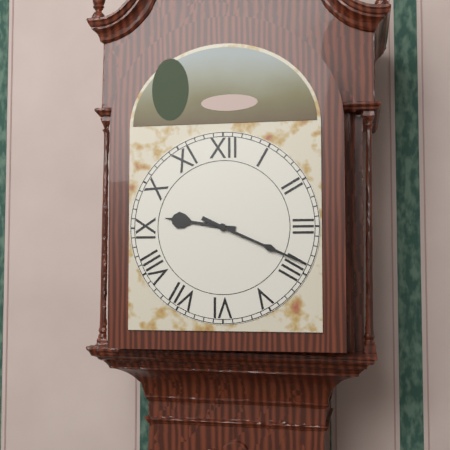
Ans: 9:19
